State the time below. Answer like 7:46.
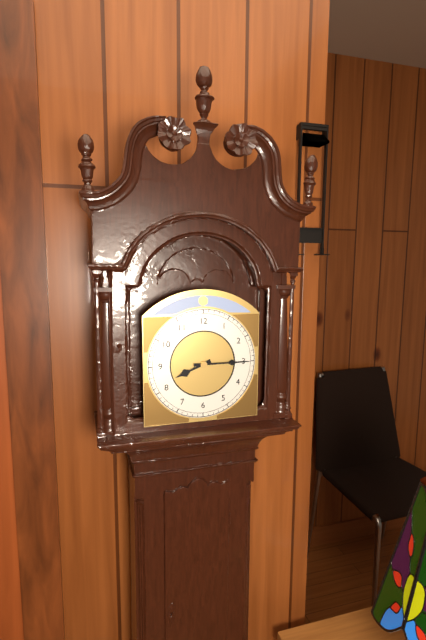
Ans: 8:15
